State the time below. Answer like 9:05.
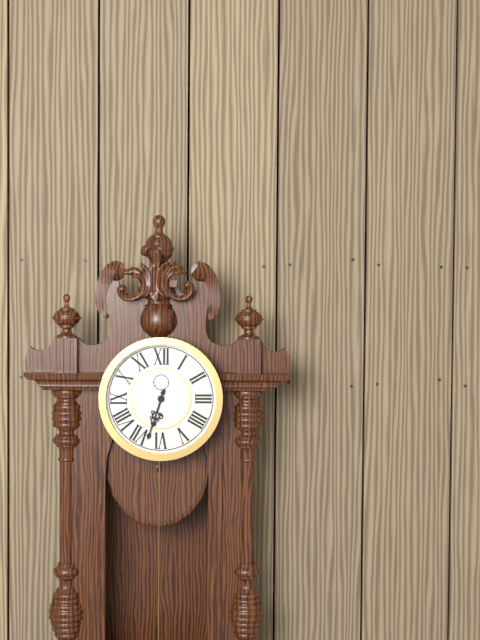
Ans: 6:33
